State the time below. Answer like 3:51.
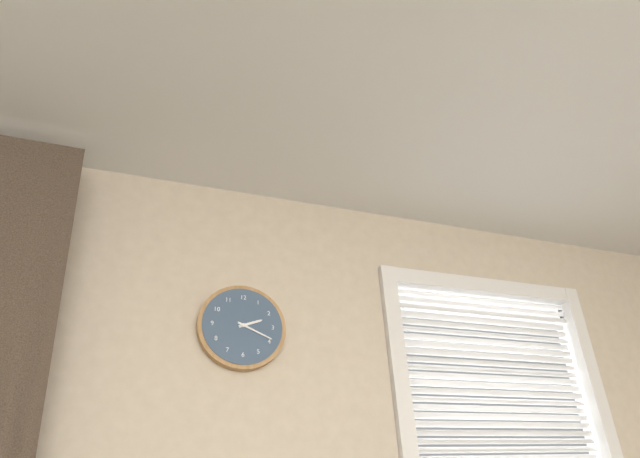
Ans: 2:19
